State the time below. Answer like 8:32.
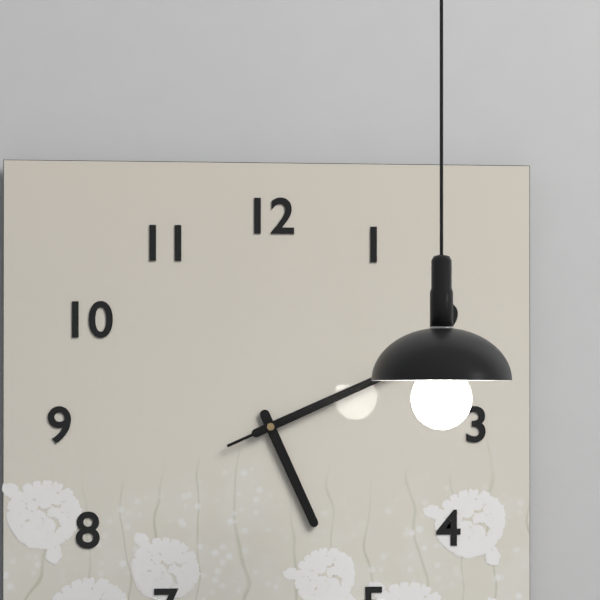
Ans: 5:11
